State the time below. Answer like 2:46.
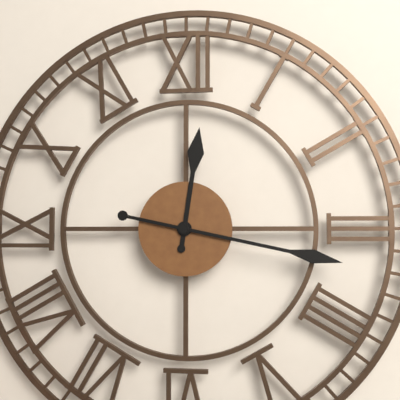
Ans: 12:17
